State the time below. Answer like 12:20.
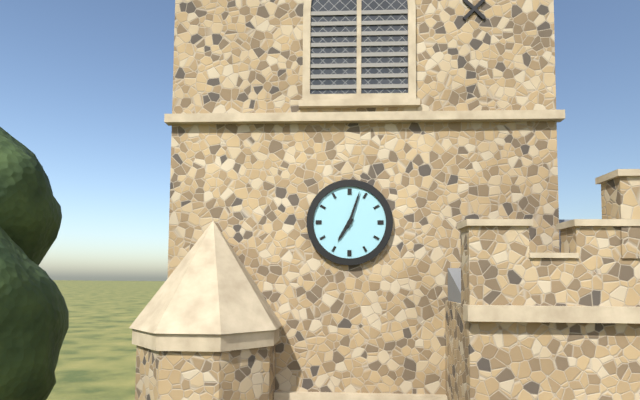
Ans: 7:03
